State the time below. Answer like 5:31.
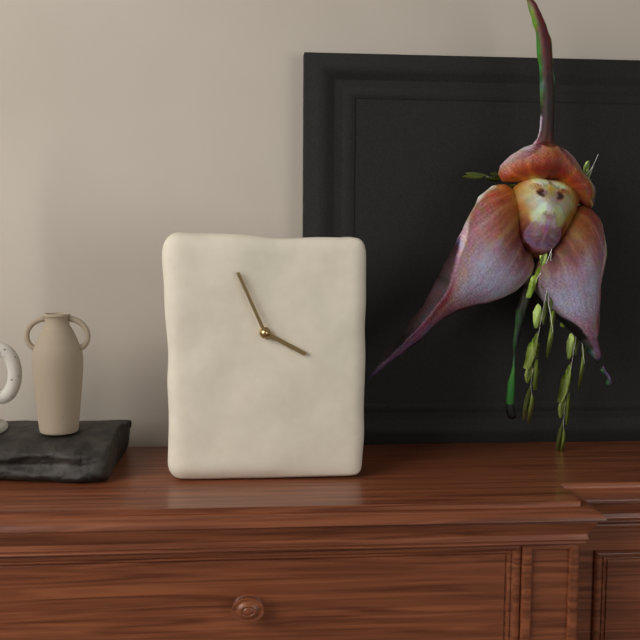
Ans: 3:56
